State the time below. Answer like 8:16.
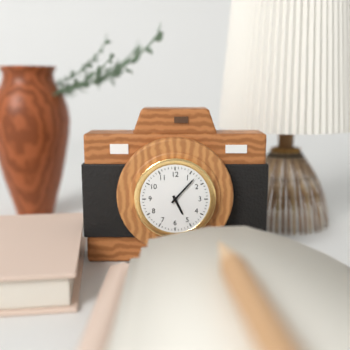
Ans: 5:07
